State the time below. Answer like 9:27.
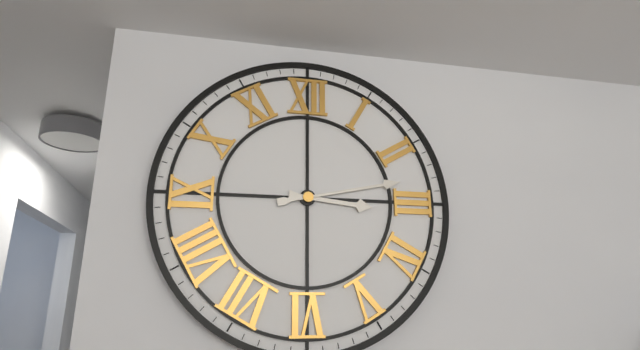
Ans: 3:13
